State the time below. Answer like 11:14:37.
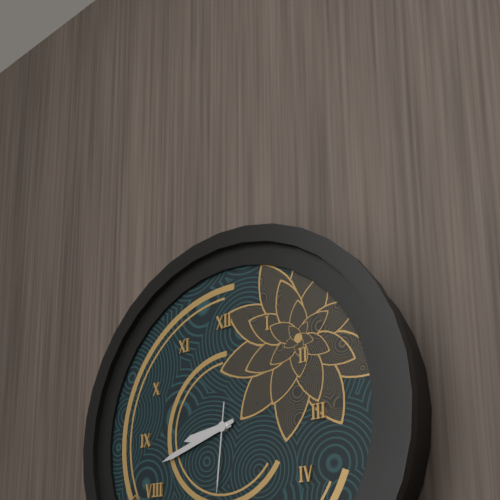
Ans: 8:42:31
